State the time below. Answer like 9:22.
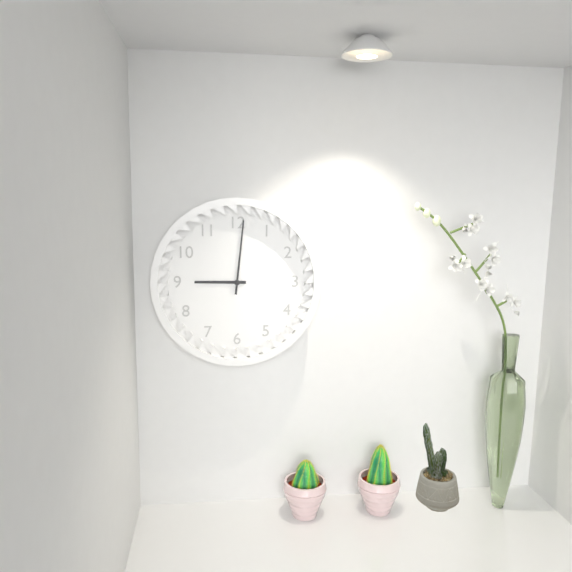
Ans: 9:01
